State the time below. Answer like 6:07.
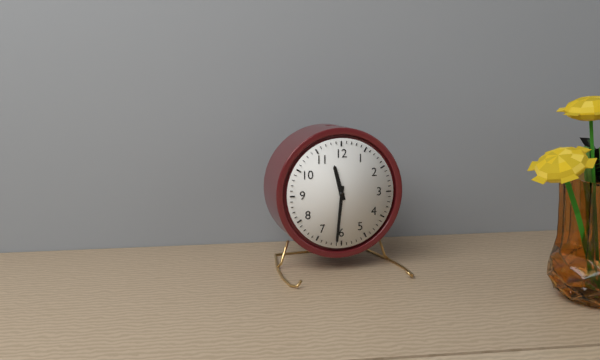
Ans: 11:31
